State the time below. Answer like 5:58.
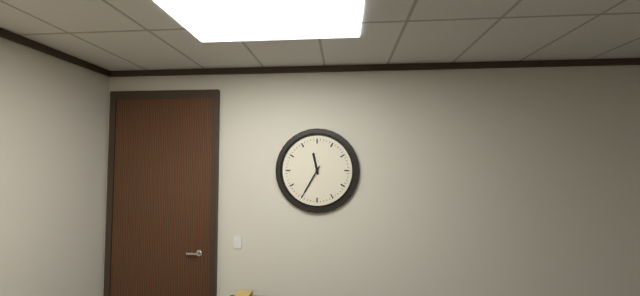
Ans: 11:35
